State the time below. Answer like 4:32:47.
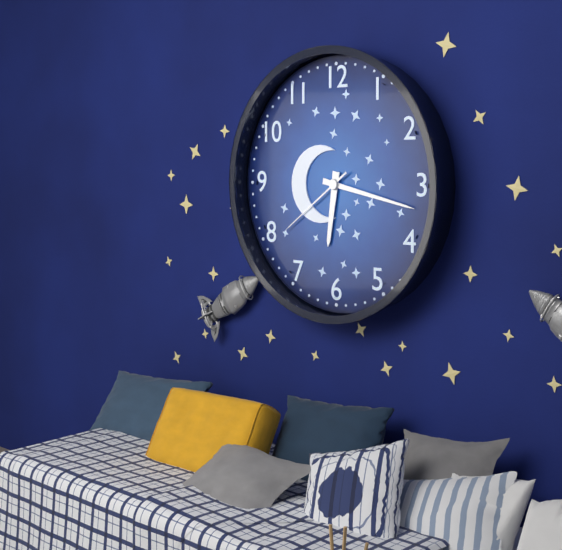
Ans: 6:17:39
